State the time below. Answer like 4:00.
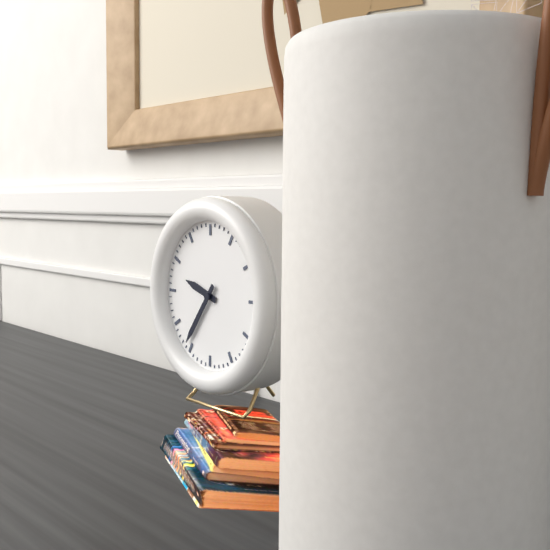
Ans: 9:36
